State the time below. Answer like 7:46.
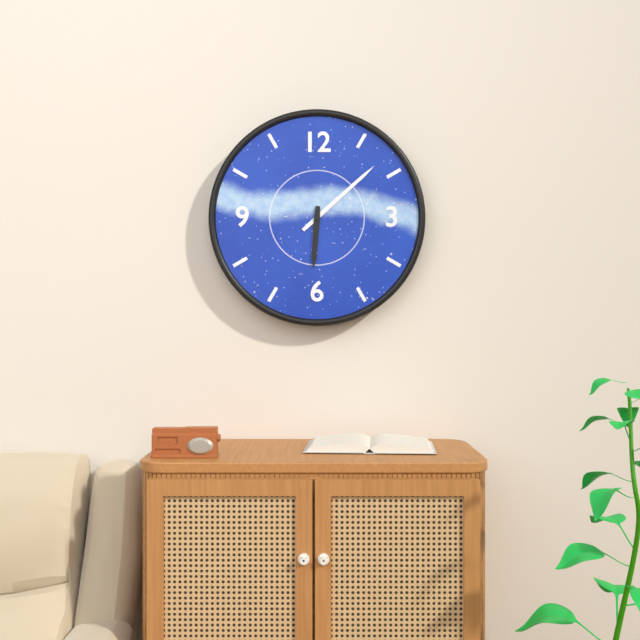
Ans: 6:08
